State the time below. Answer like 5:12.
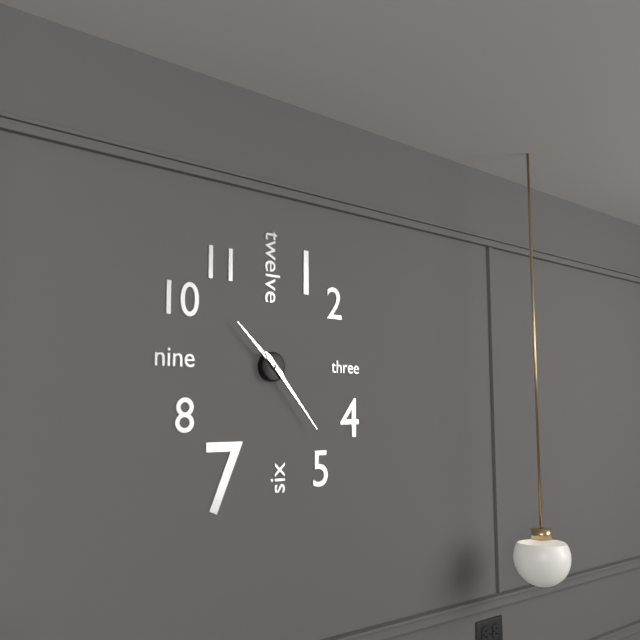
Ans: 10:23
